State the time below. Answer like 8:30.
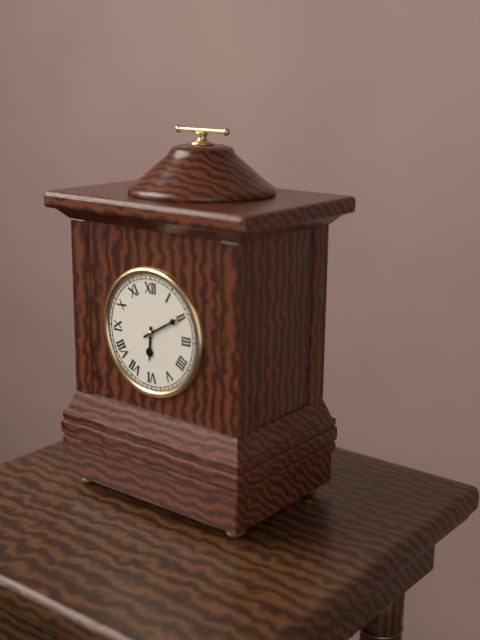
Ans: 6:10
